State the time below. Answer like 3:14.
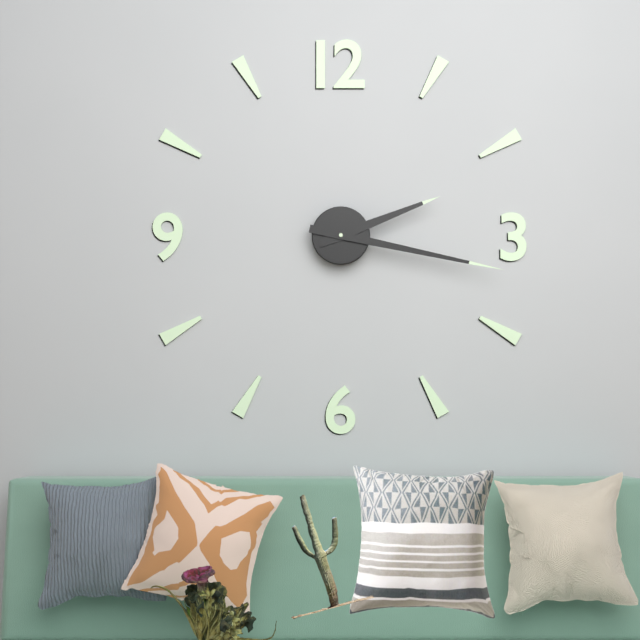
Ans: 2:17
